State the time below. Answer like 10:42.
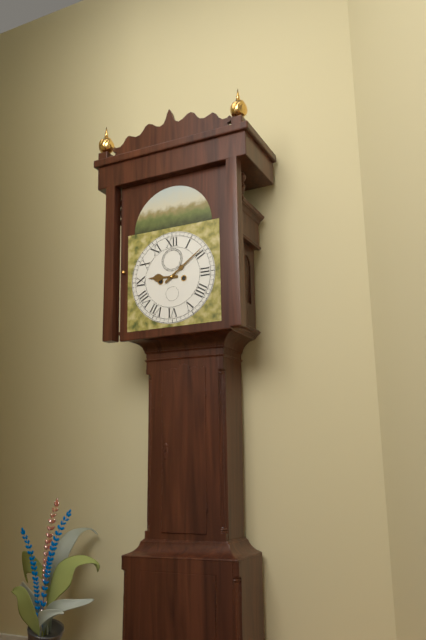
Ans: 9:09
